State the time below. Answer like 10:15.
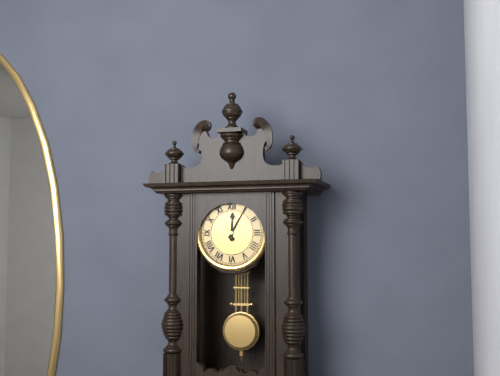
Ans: 12:05
